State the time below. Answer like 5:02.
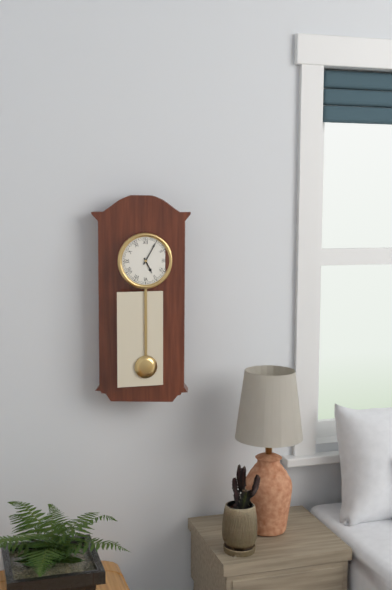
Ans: 5:05
